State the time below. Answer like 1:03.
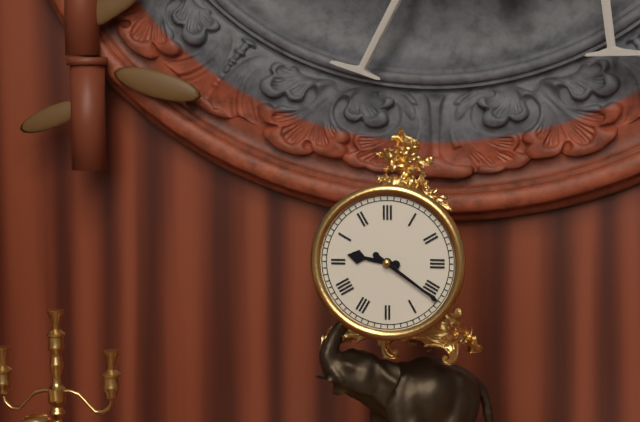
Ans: 9:21
